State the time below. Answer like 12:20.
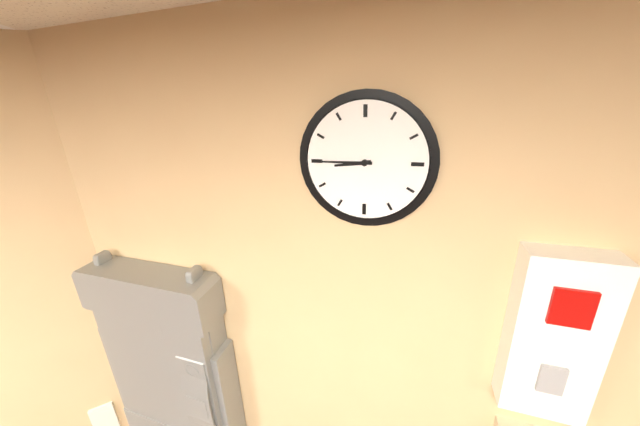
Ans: 8:45
